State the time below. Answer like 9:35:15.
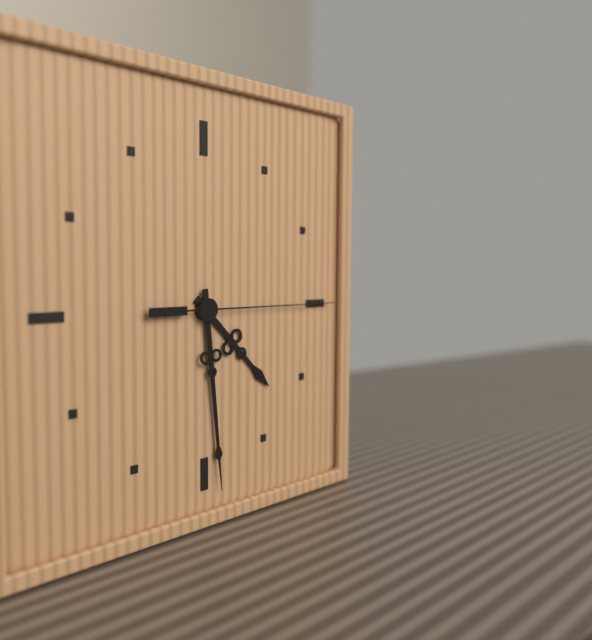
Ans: 4:29:15
